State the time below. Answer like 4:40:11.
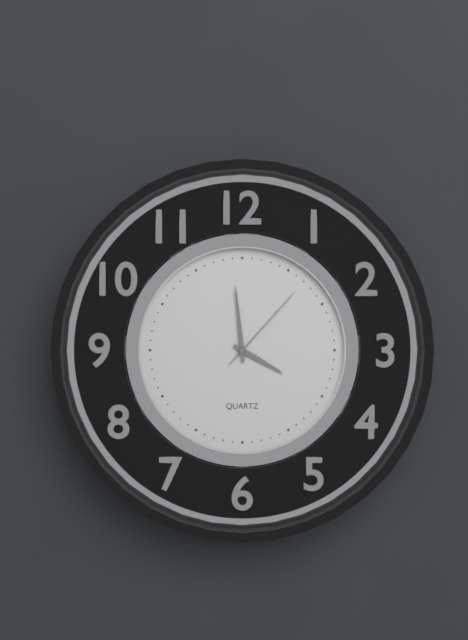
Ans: 3:59:07
